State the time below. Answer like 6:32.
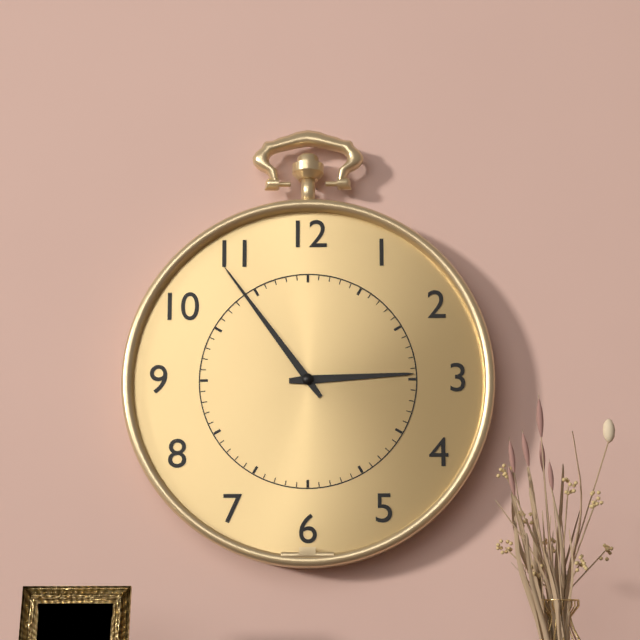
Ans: 2:54
